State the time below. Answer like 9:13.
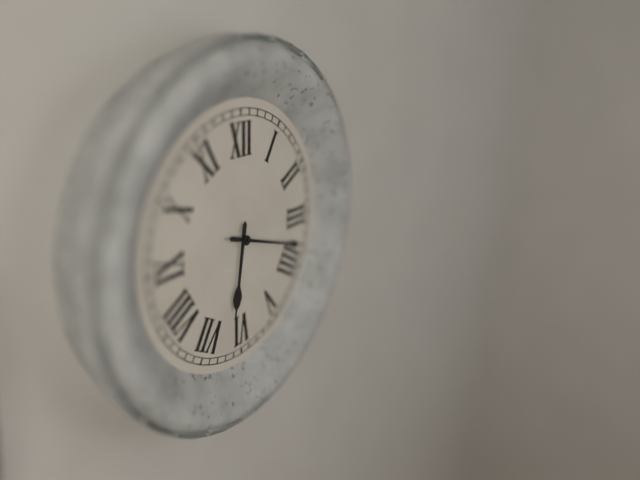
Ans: 6:18
